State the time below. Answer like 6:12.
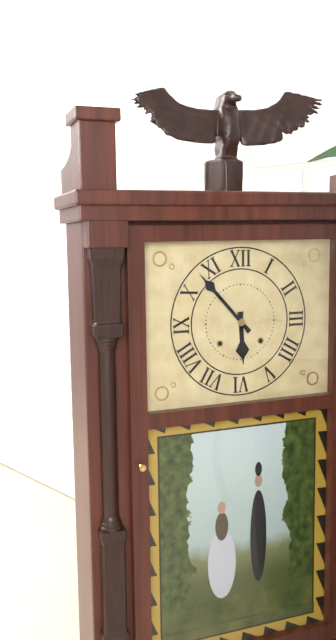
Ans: 5:53
